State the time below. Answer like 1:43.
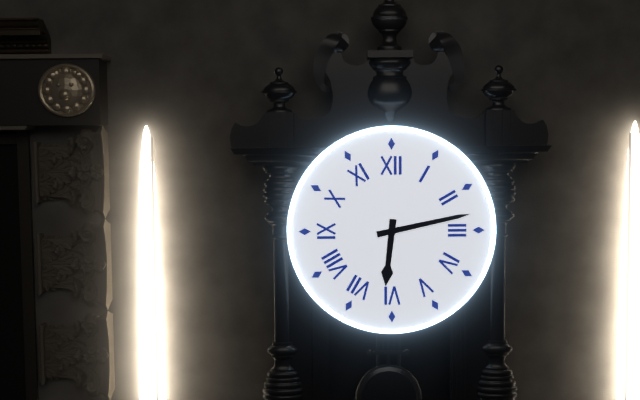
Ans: 6:13
